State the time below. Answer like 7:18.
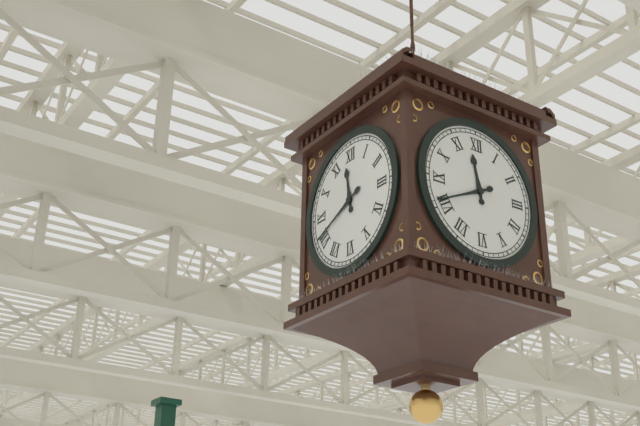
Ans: 11:41
